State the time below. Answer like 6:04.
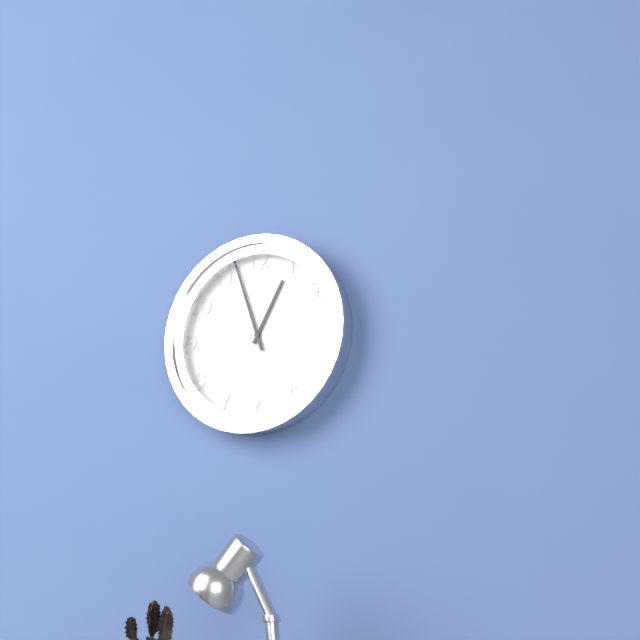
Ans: 12:57
